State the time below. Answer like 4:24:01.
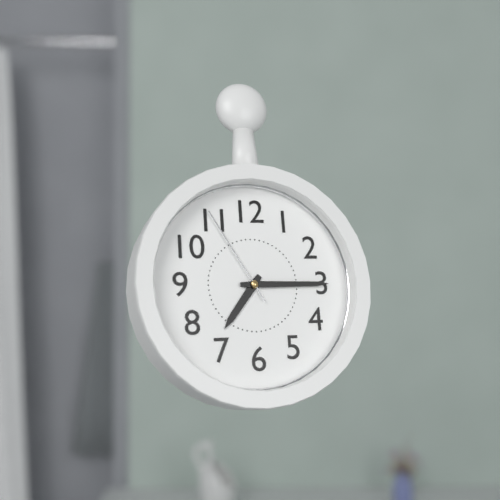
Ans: 7:15:55
